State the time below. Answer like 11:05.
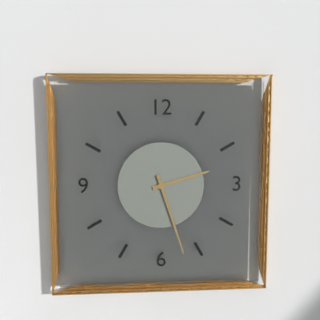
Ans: 2:27
